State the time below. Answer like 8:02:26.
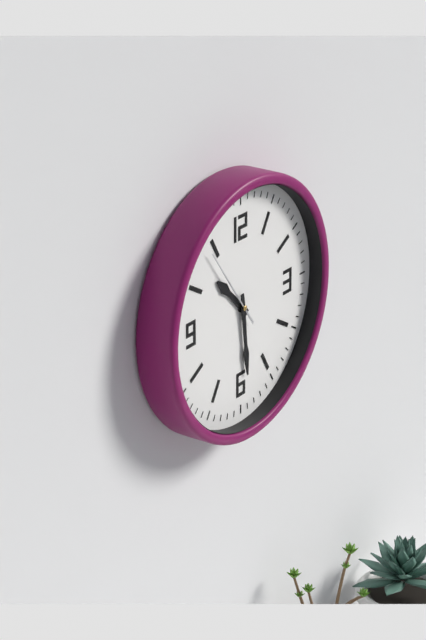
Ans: 10:29:54
